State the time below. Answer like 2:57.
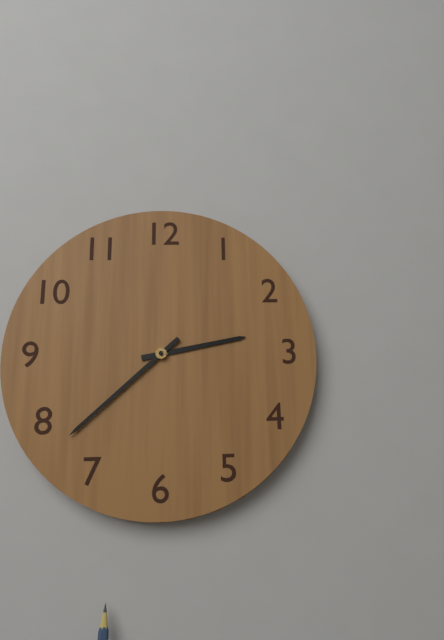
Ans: 2:38
